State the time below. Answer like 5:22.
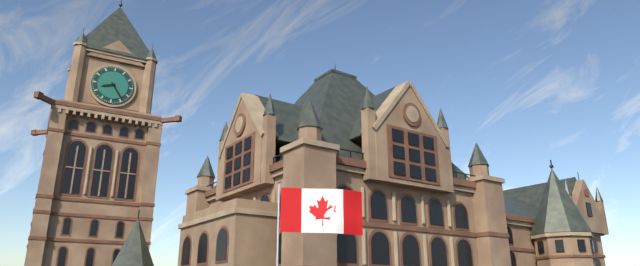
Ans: 8:24
